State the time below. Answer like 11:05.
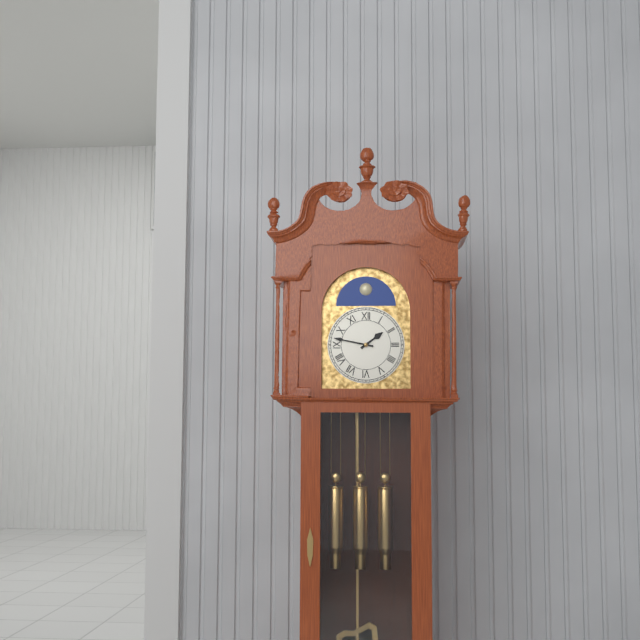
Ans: 1:47
